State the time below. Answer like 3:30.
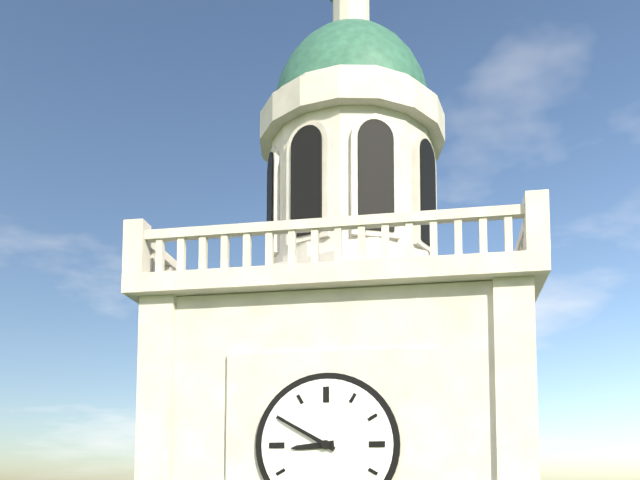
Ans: 8:50
